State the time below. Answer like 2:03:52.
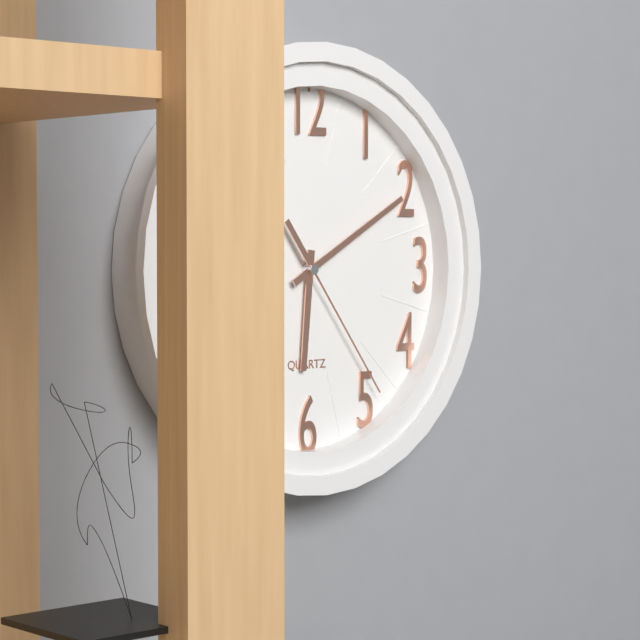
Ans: 6:10:24
